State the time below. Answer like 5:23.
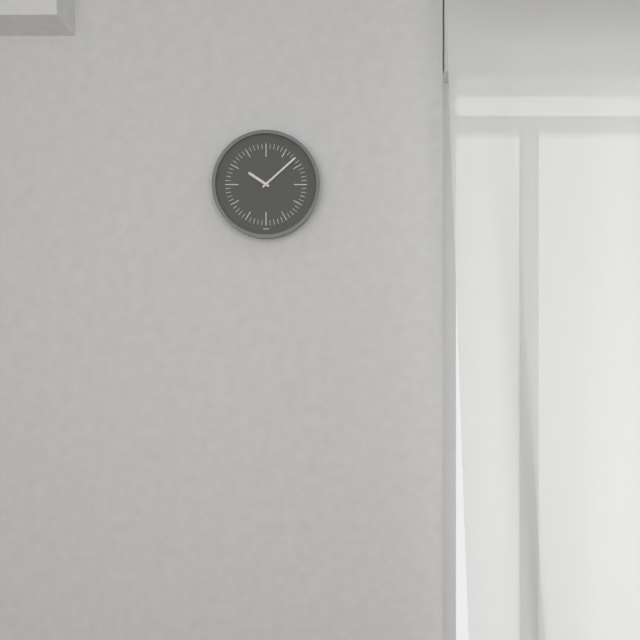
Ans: 10:08
